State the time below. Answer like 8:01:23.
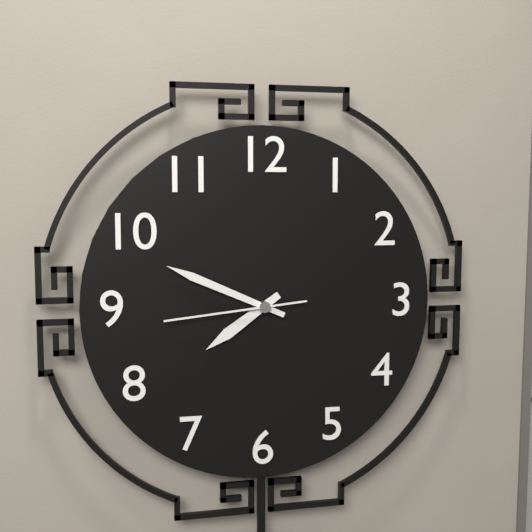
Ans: 7:49:44
